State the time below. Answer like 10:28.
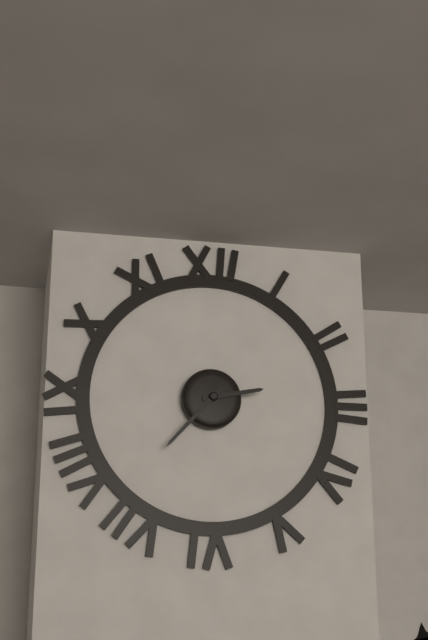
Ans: 2:37
